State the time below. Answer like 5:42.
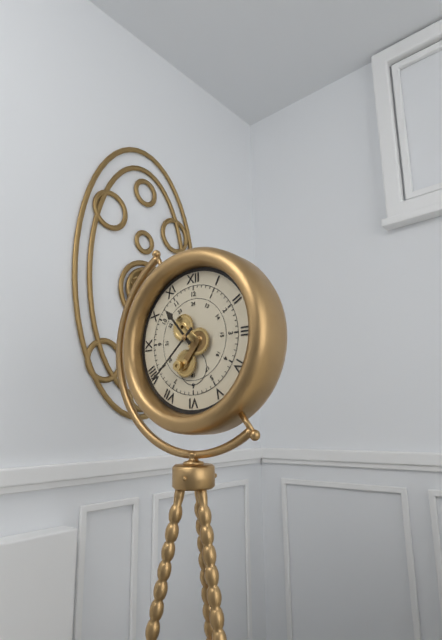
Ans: 10:38
